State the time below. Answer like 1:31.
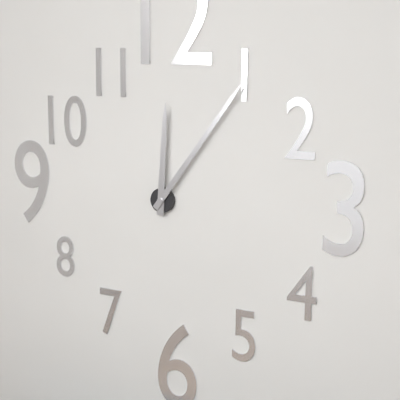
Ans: 12:06
